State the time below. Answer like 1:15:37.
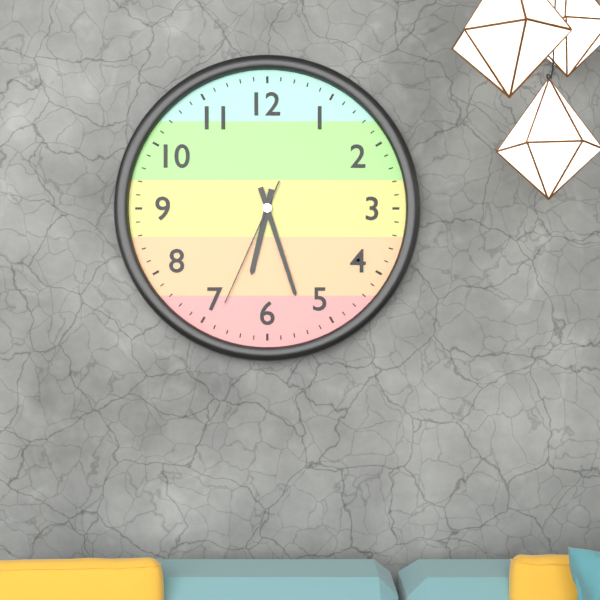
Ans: 6:27:34
